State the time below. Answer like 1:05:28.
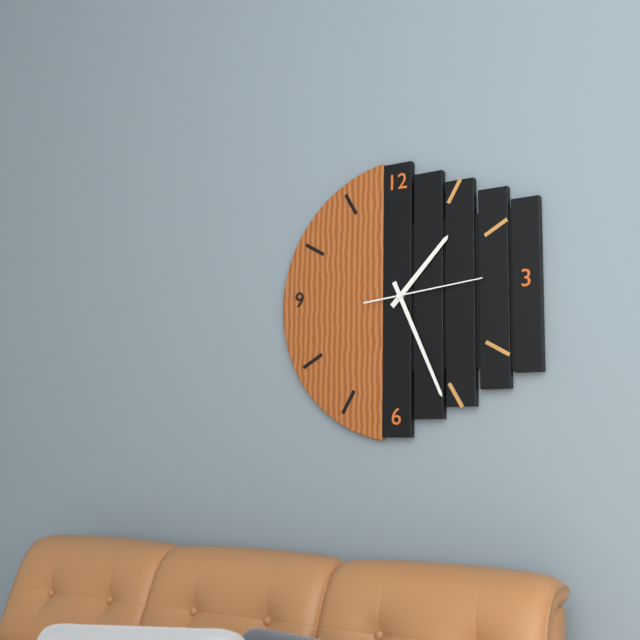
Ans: 1:26:14
